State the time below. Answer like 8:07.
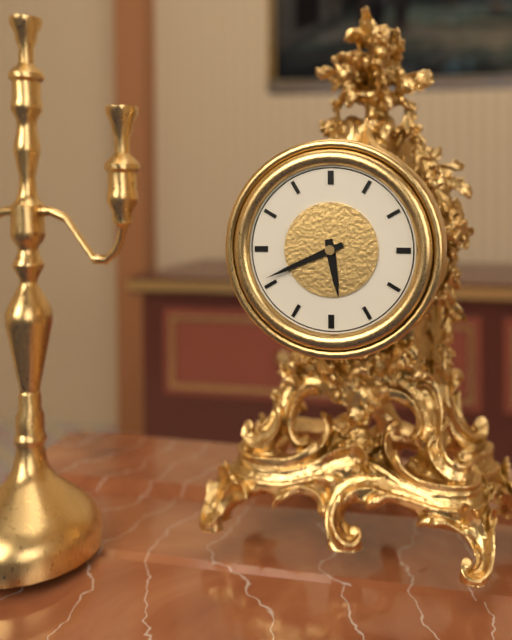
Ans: 5:41
